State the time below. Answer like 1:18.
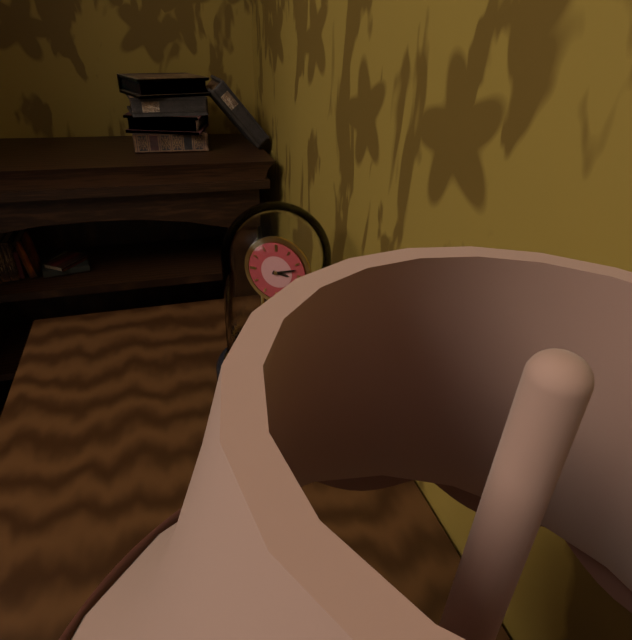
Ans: 3:12
